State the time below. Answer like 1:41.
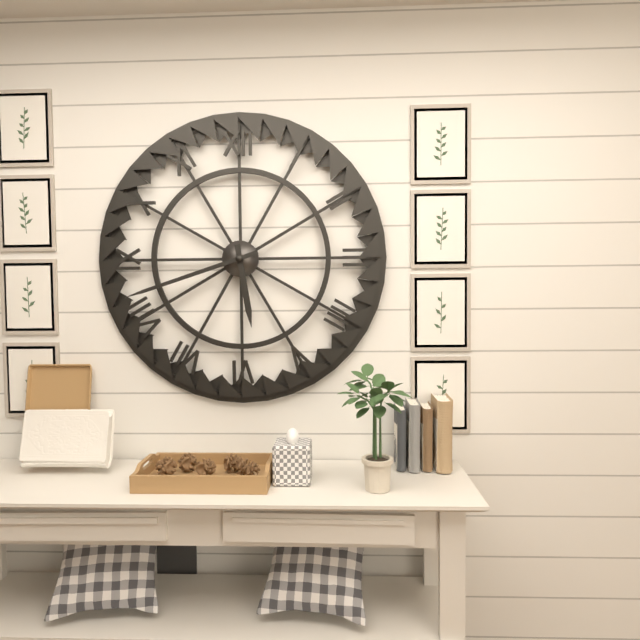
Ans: 5:42
